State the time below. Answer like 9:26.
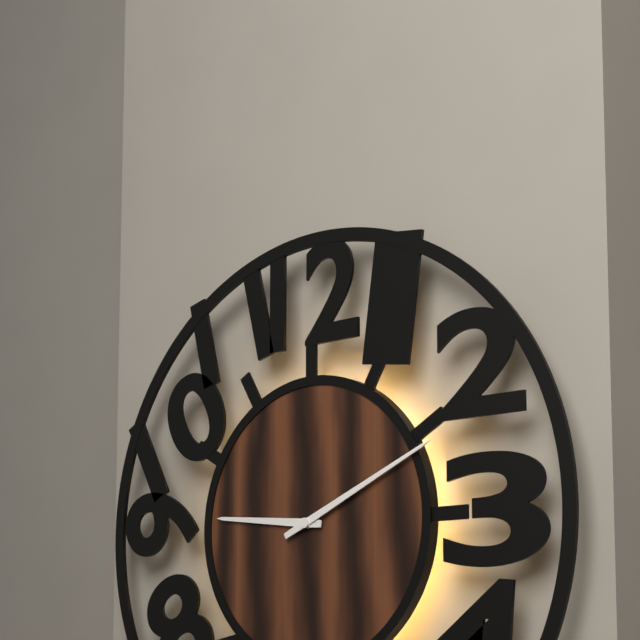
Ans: 9:11
